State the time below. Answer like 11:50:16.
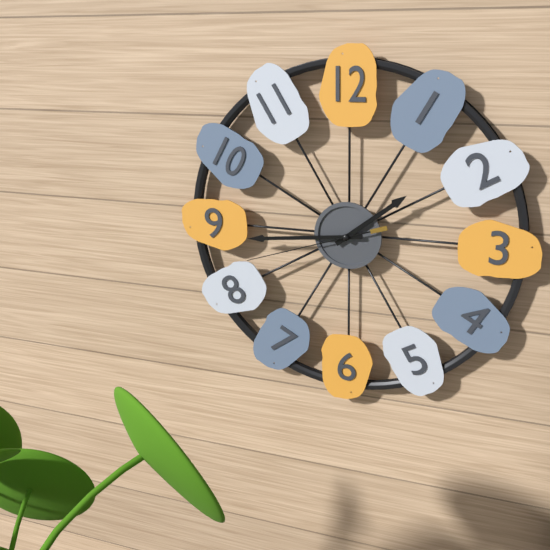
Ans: 1:44:42
